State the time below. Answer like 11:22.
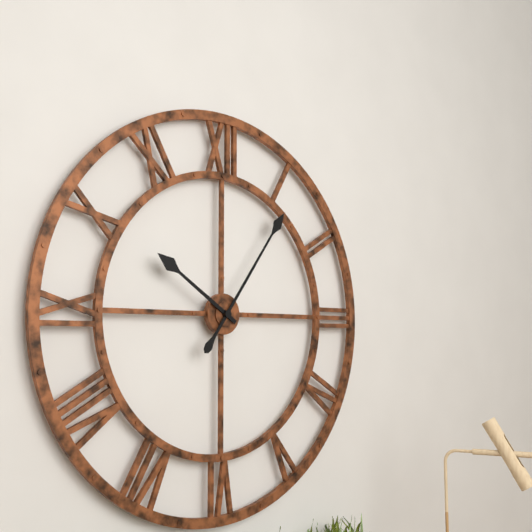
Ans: 10:06
